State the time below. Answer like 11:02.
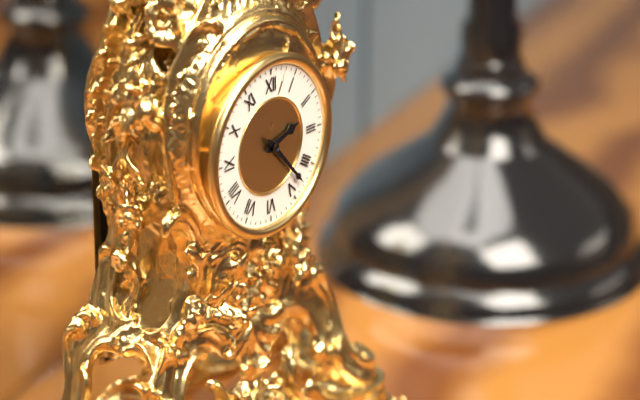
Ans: 2:23
